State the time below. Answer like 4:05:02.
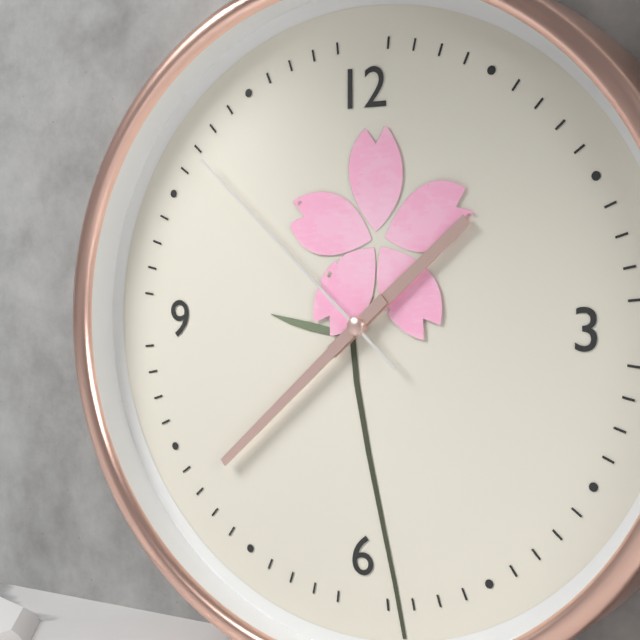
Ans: 1:38:52
